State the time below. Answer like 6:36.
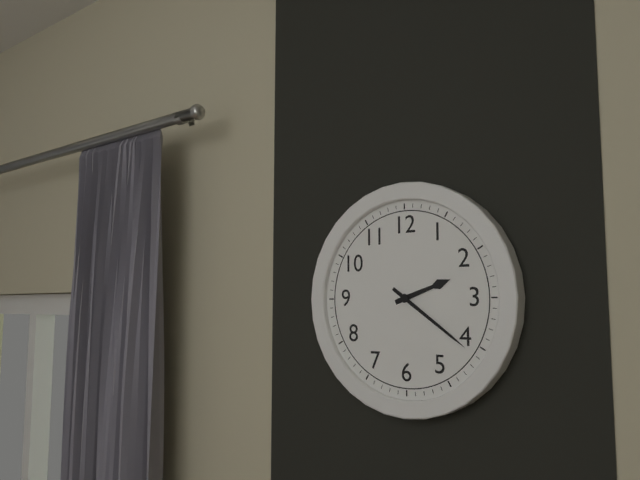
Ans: 2:21
